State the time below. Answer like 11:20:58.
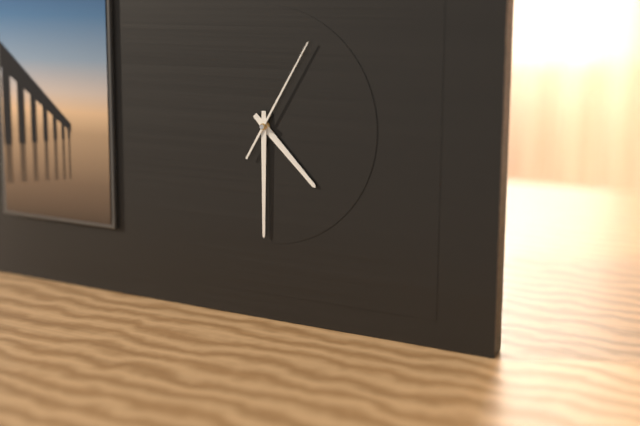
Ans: 4:30:05
